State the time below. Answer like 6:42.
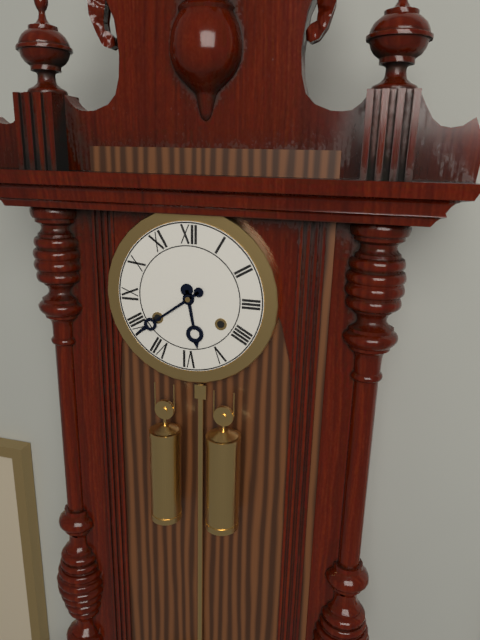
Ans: 5:39
